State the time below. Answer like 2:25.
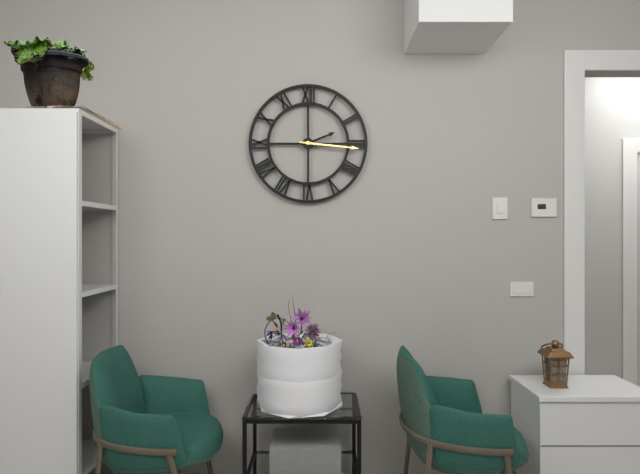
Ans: 2:16
